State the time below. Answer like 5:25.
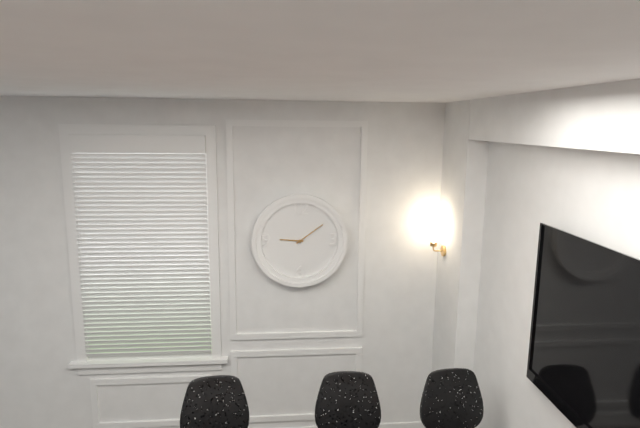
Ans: 9:09
